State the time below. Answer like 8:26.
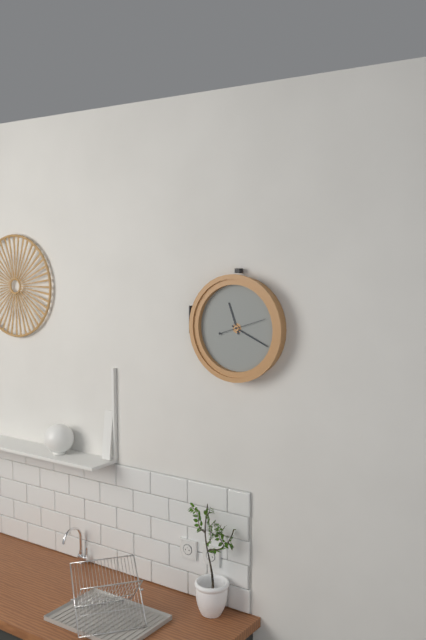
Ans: 11:19
